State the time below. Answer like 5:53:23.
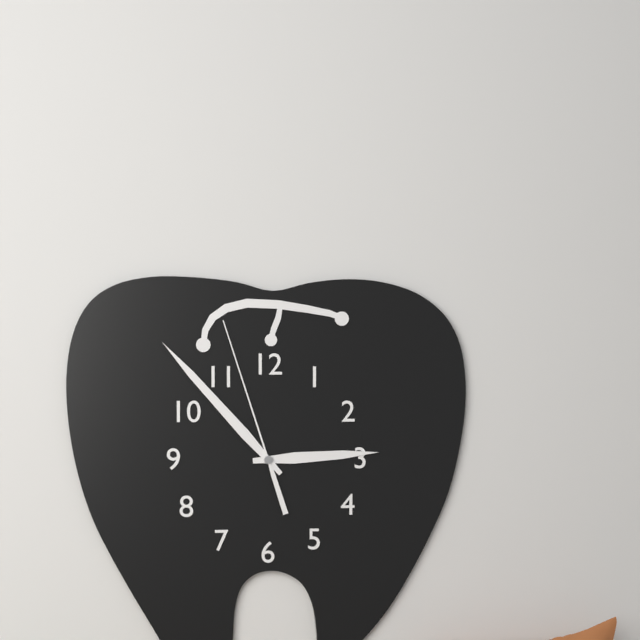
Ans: 2:53:57
